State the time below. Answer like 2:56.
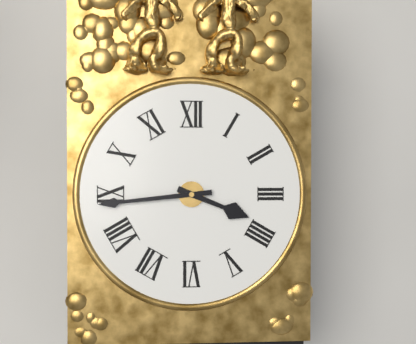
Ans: 3:44
